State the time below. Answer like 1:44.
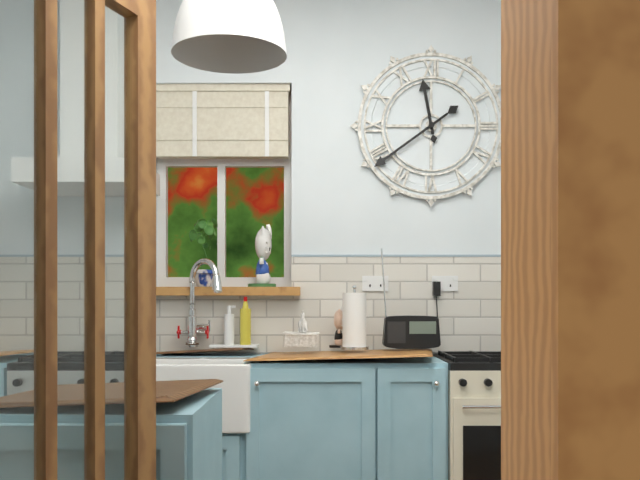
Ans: 11:39
